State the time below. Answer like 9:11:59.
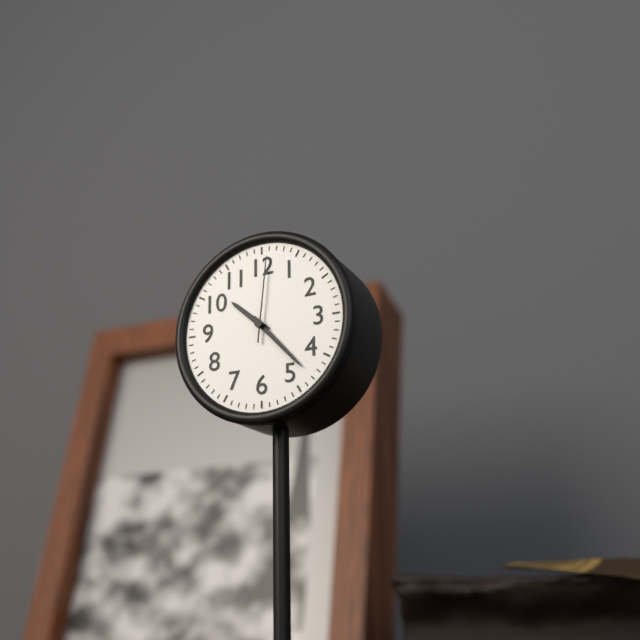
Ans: 10:23:01
